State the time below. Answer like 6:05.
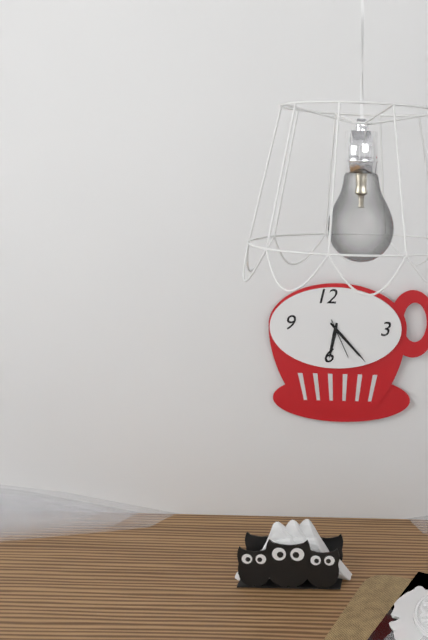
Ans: 6:23
